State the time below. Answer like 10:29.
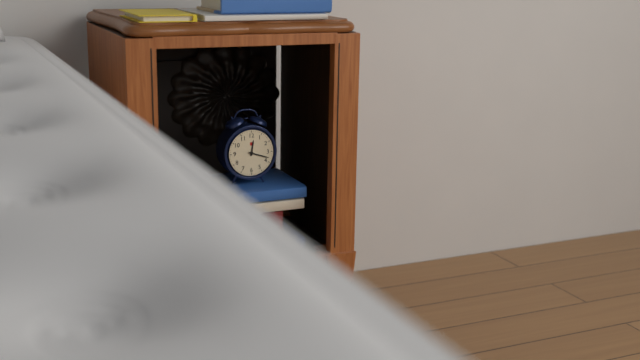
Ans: 12:18
